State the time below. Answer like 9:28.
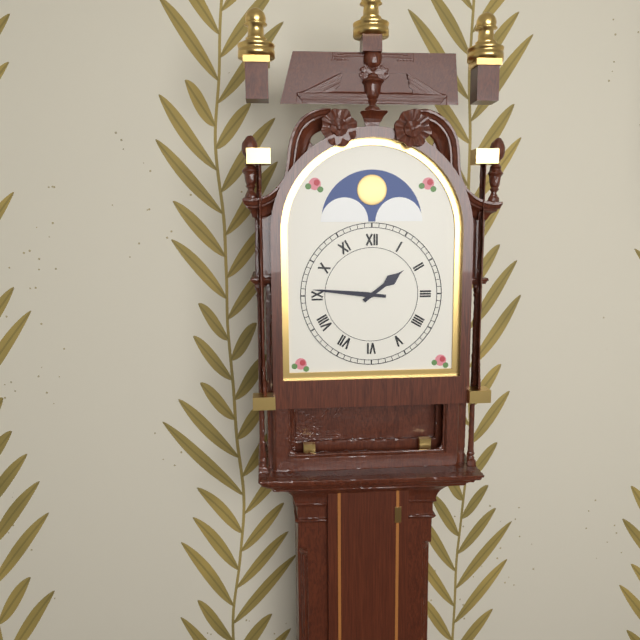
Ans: 1:46
